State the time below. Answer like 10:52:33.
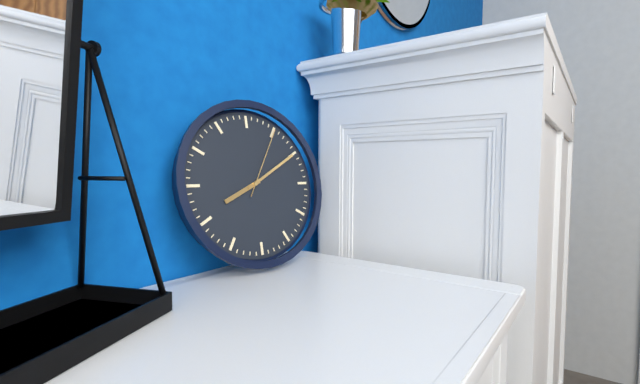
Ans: 8:10:05
